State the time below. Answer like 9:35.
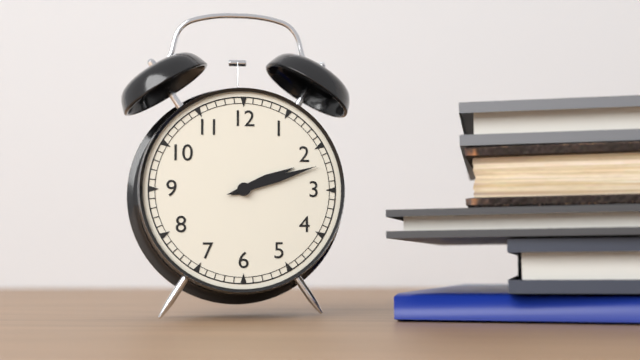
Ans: 2:12
